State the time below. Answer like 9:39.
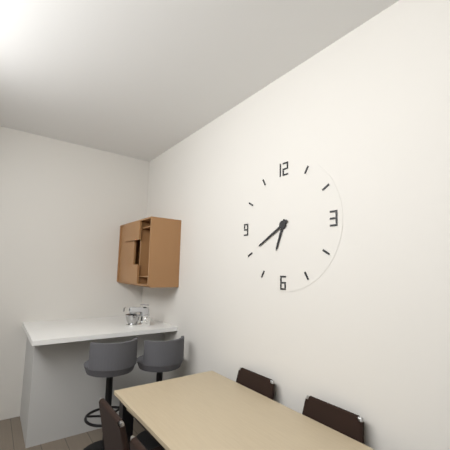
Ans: 6:40
